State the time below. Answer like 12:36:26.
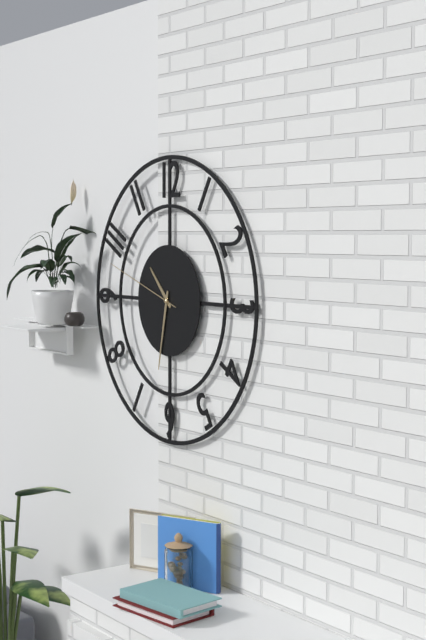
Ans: 10:32:48
